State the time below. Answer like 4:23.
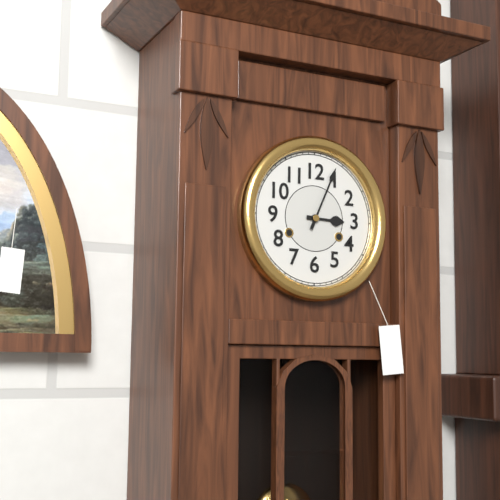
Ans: 3:04
